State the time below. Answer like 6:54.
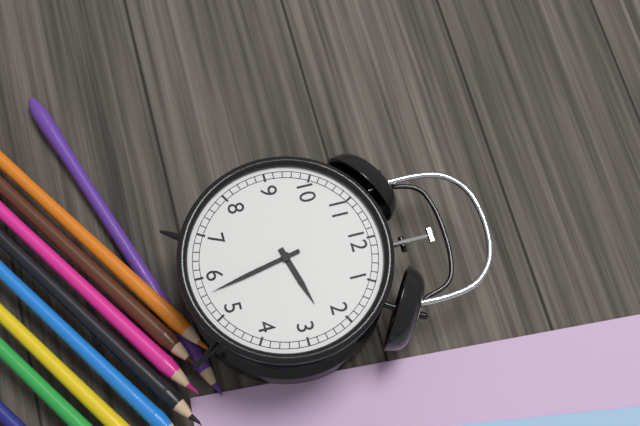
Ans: 2:28
